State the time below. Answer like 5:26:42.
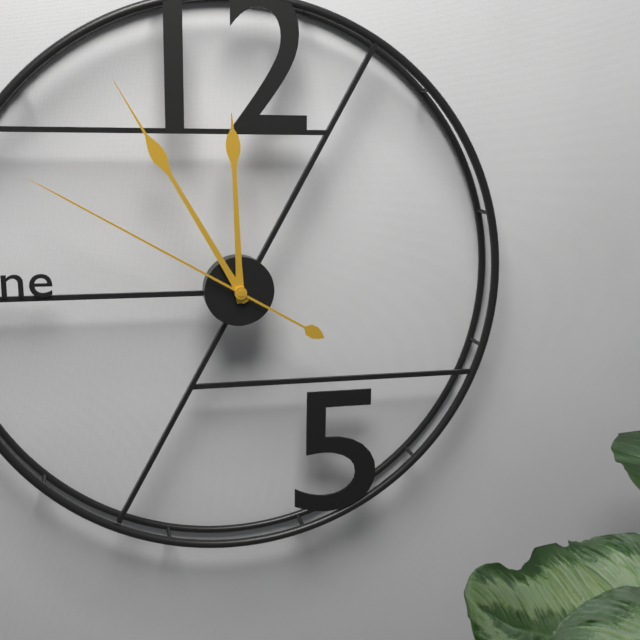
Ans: 11:55:50
